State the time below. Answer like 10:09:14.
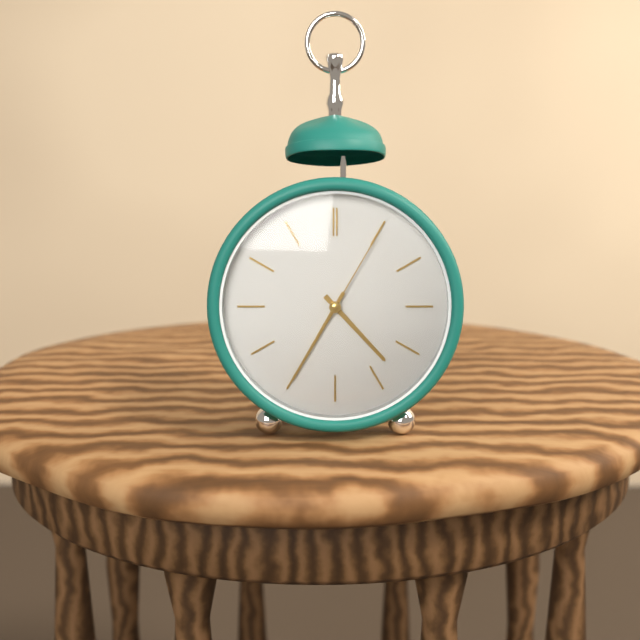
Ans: 4:35:05
